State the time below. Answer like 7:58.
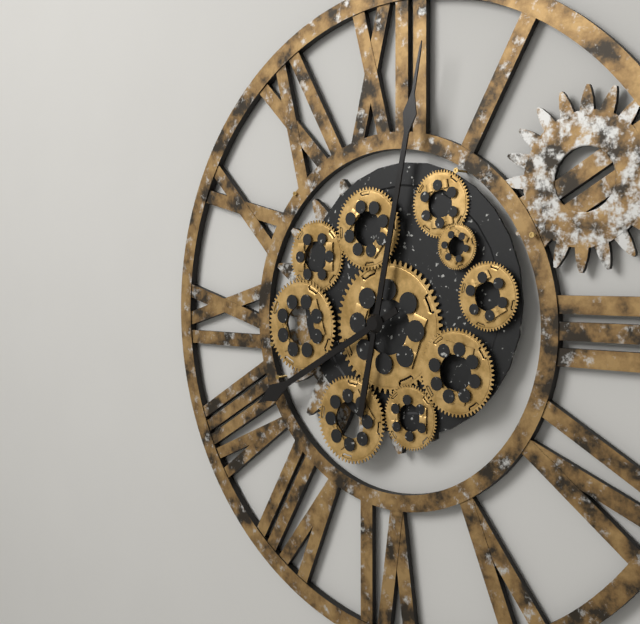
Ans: 8:02
